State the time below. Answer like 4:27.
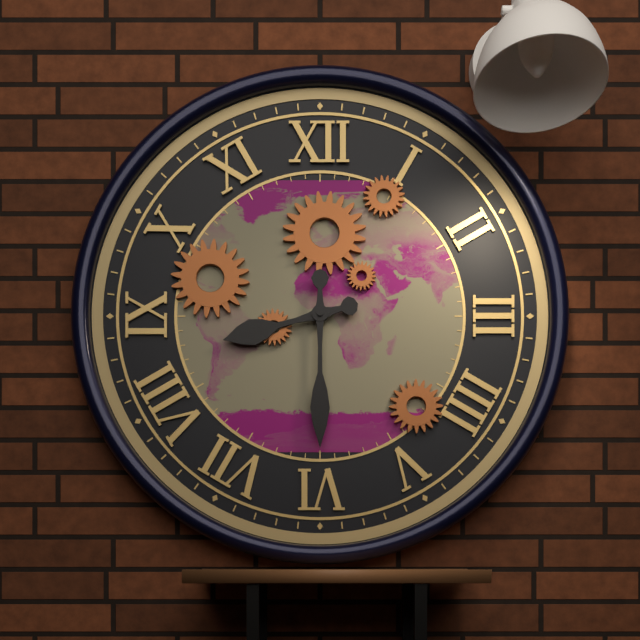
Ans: 8:30
